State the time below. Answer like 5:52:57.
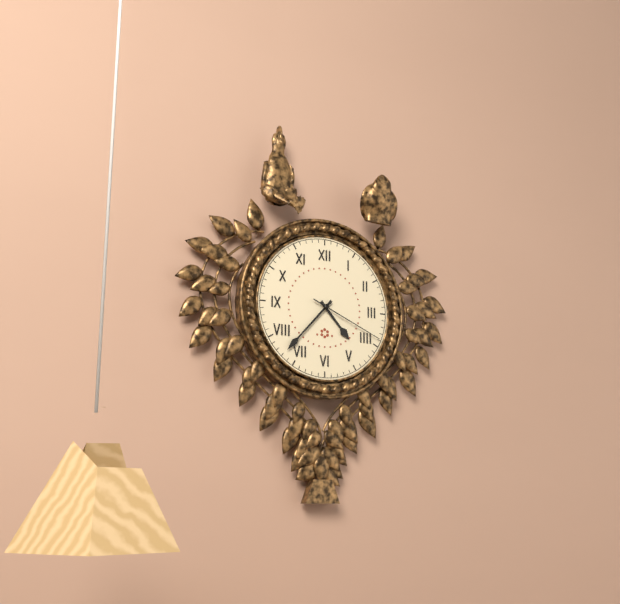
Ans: 4:37:19
